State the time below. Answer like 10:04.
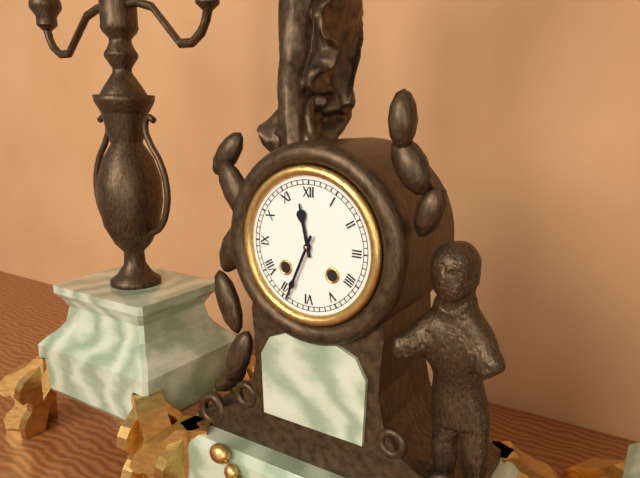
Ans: 11:34
